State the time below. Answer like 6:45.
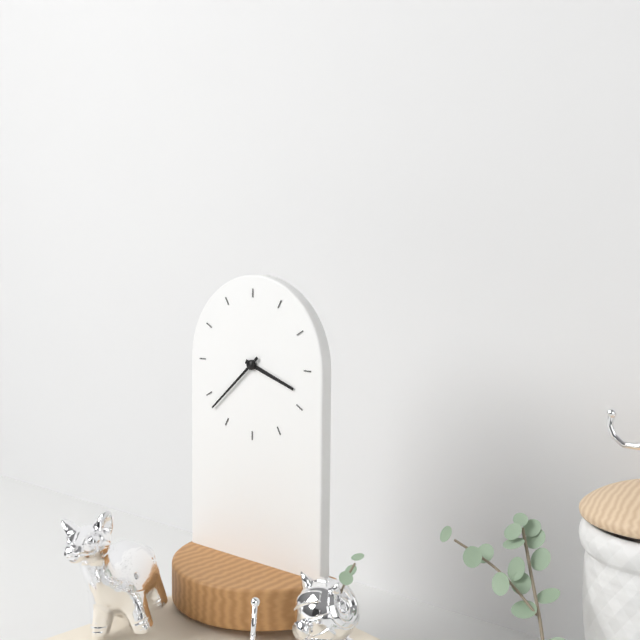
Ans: 3:38
